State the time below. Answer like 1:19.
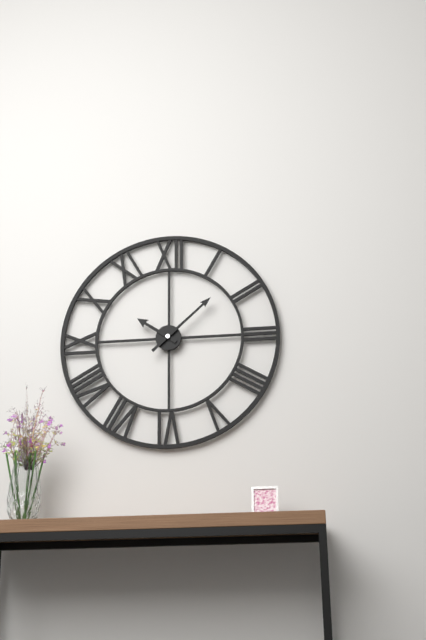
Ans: 10:08
